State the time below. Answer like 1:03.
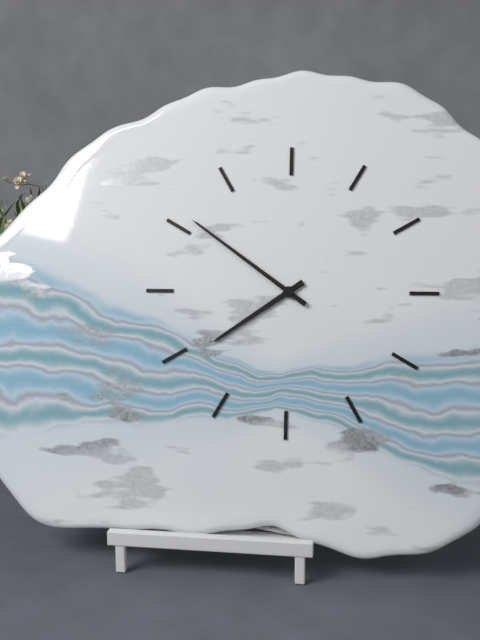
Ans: 7:51
